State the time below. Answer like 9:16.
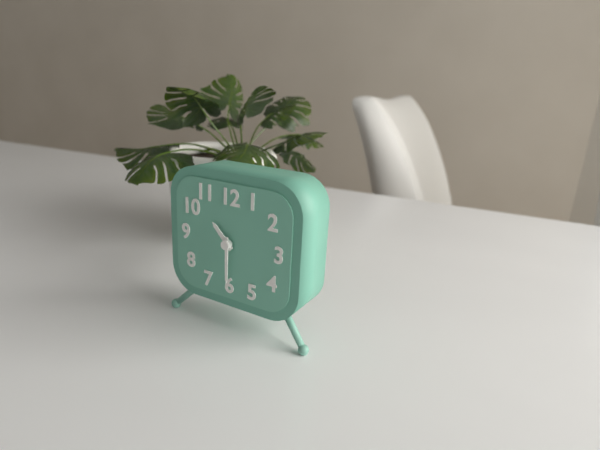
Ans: 10:30
